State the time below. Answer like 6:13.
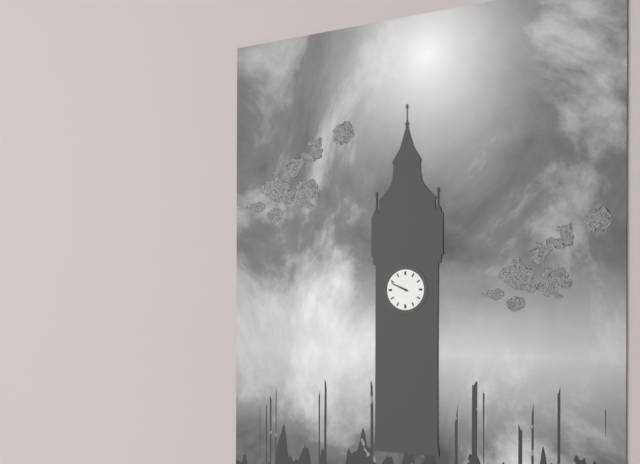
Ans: 9:49
